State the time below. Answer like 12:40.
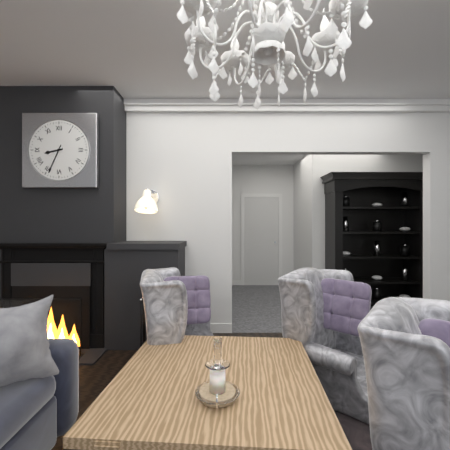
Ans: 8:34
